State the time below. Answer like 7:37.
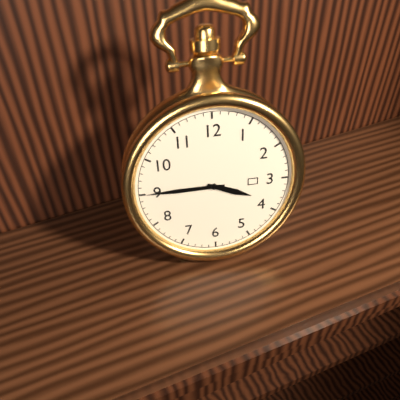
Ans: 3:45
